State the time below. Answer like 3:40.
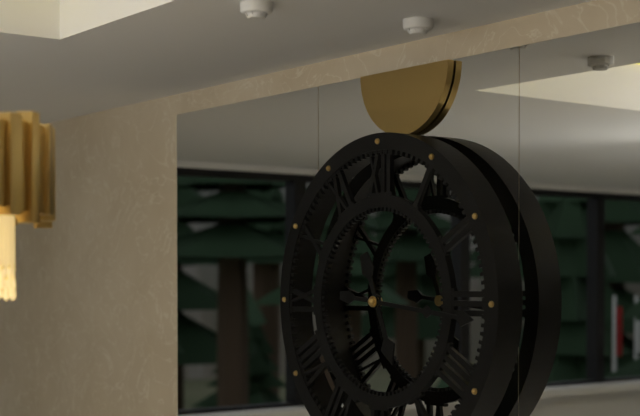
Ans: 5:16
